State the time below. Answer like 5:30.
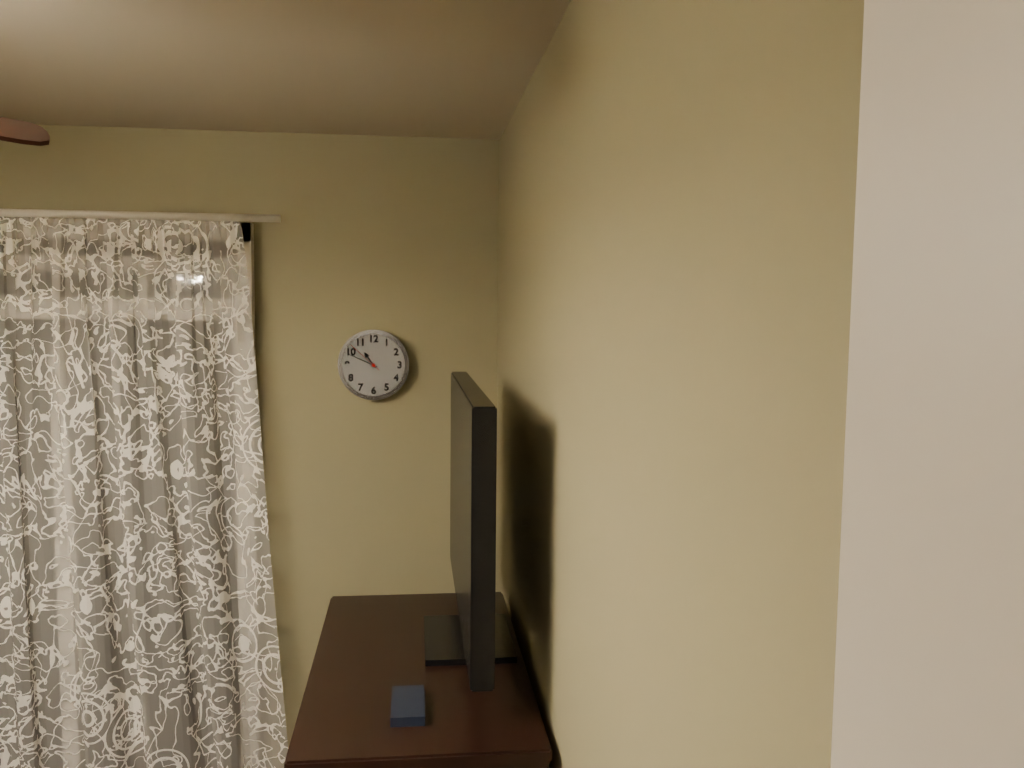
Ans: 10:49
